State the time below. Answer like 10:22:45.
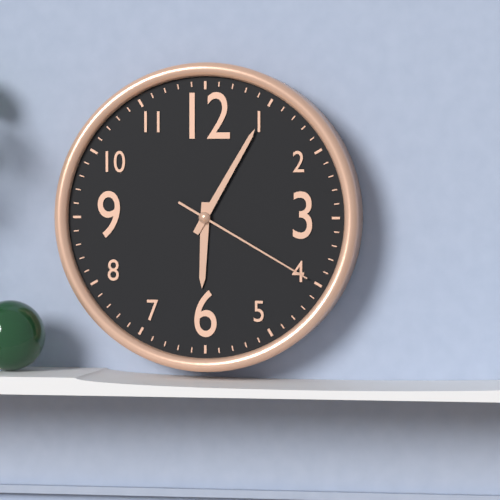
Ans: 6:05:20
